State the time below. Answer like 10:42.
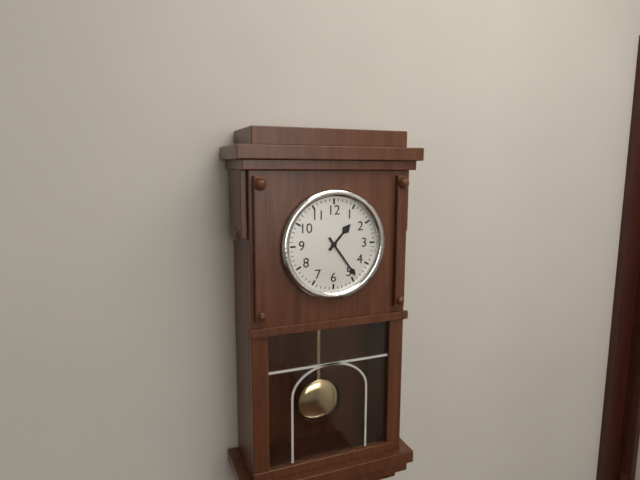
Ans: 1:24
